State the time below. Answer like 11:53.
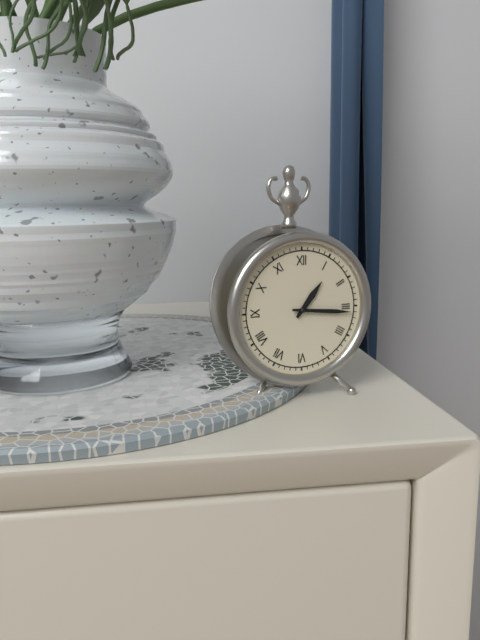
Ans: 1:16
